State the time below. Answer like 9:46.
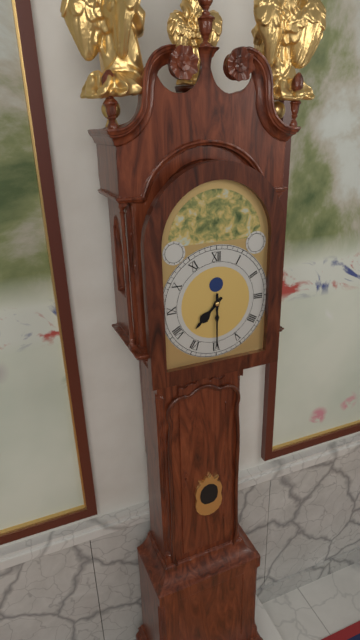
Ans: 7:30
